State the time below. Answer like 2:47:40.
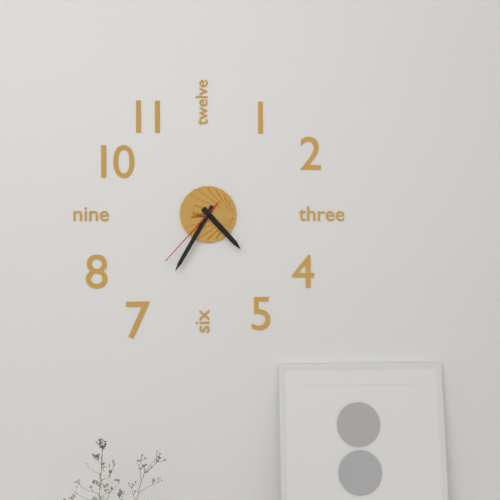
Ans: 4:35:37
